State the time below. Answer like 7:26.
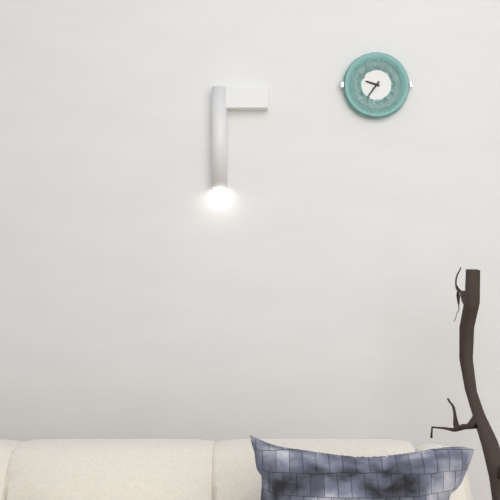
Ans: 9:36
